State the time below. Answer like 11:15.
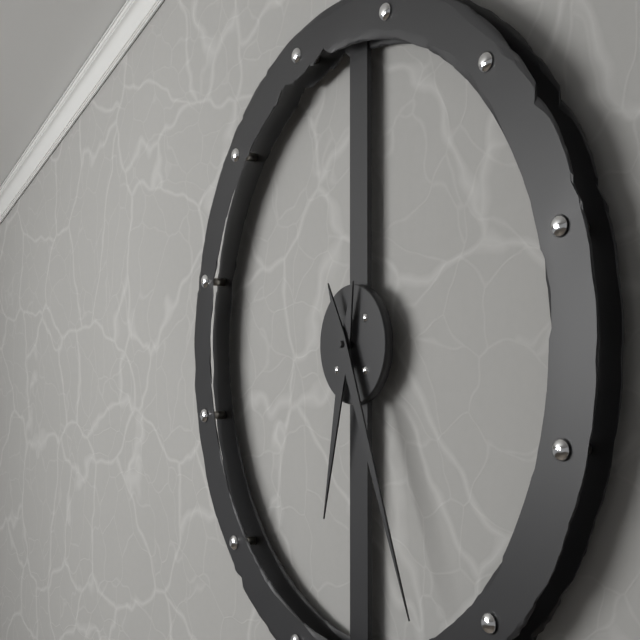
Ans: 6:26
